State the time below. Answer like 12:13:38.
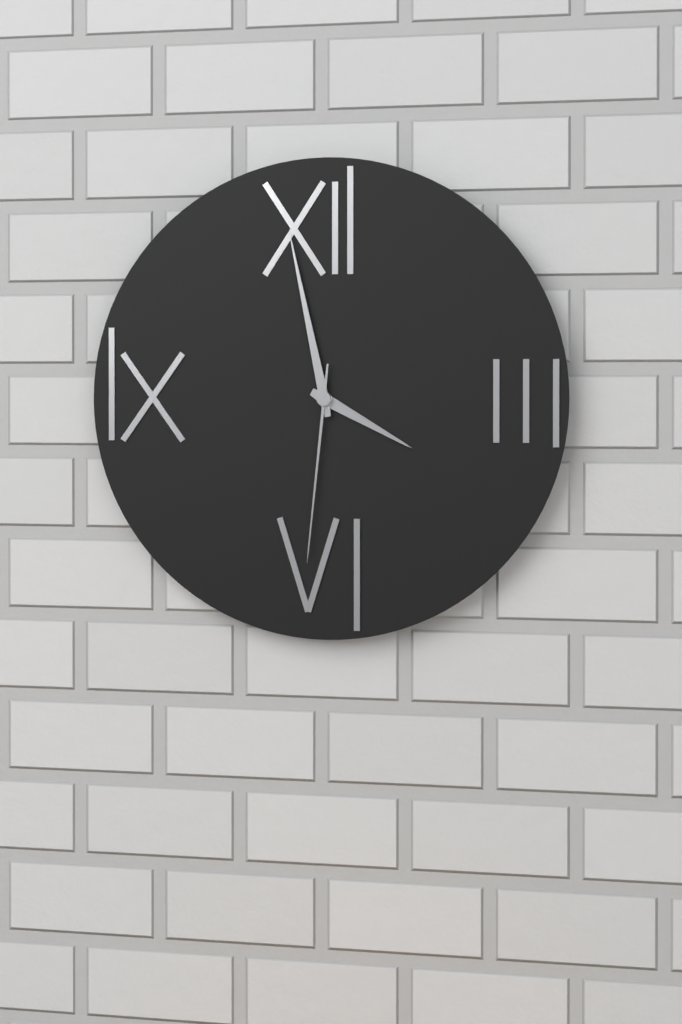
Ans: 3:58:31
